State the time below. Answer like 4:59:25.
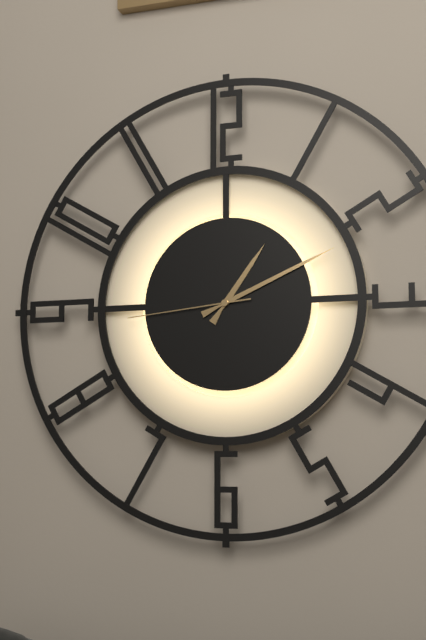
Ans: 1:11:44
